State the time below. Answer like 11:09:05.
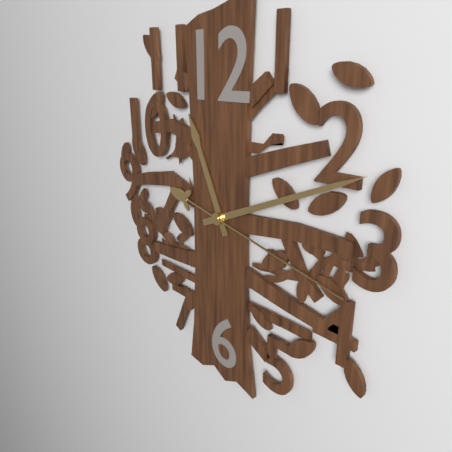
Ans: 11:11:17
